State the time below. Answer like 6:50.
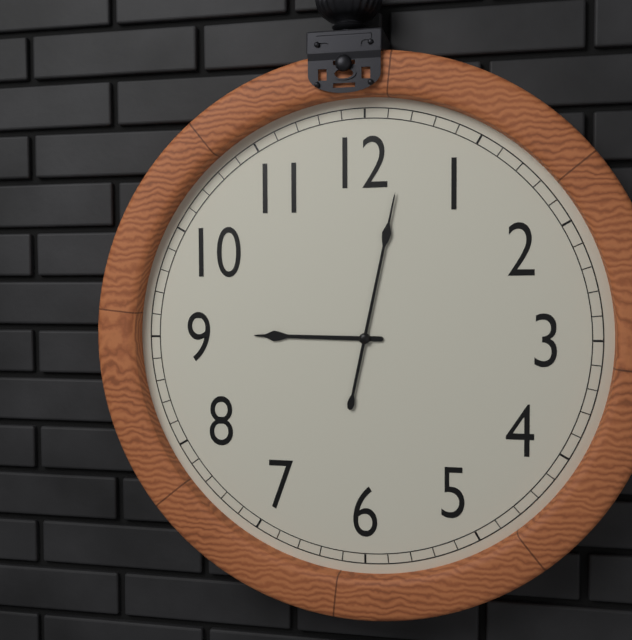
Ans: 9:02
